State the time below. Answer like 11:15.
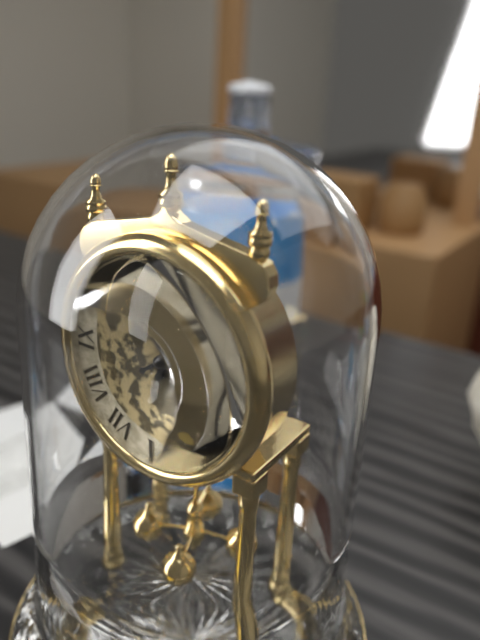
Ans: 12:09
